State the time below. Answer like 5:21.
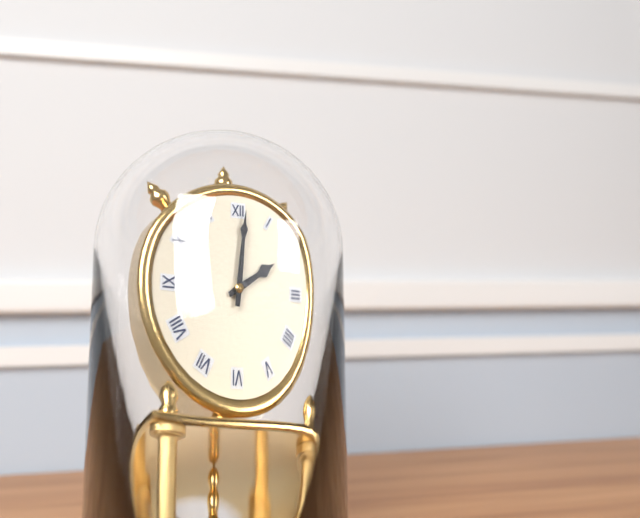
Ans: 2:01
